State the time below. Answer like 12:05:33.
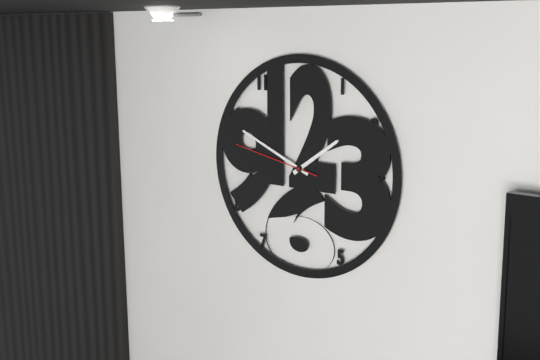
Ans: 1:49:47
